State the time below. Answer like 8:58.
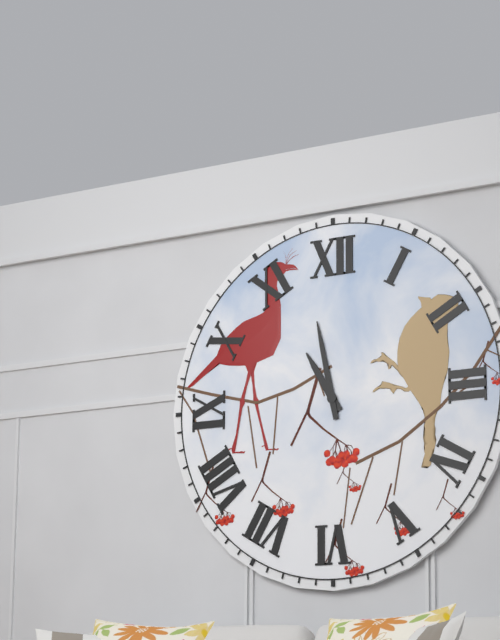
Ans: 10:58
